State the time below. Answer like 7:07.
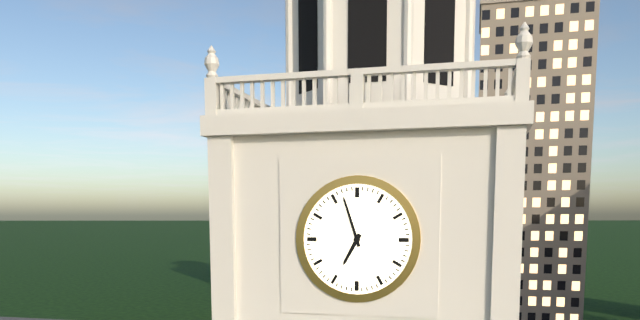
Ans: 6:57
